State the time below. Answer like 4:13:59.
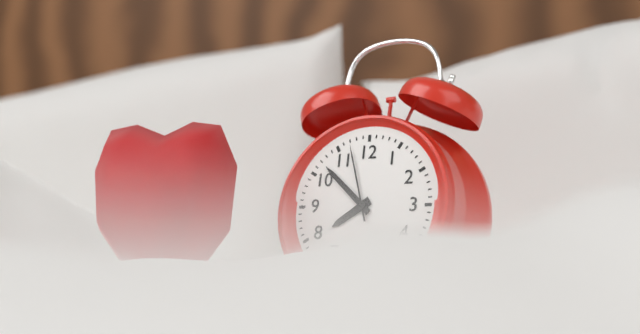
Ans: 7:52:57
